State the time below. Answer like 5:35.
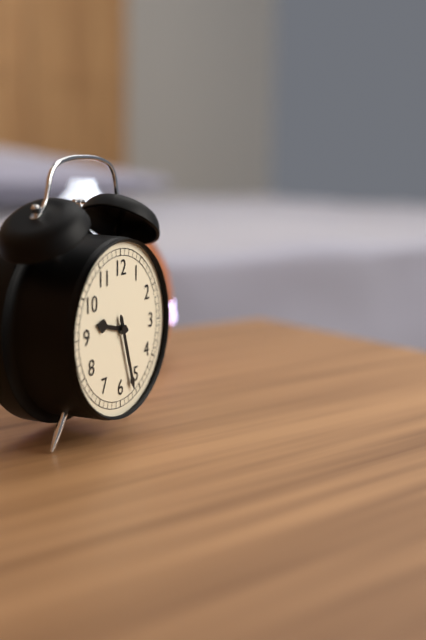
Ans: 9:27
